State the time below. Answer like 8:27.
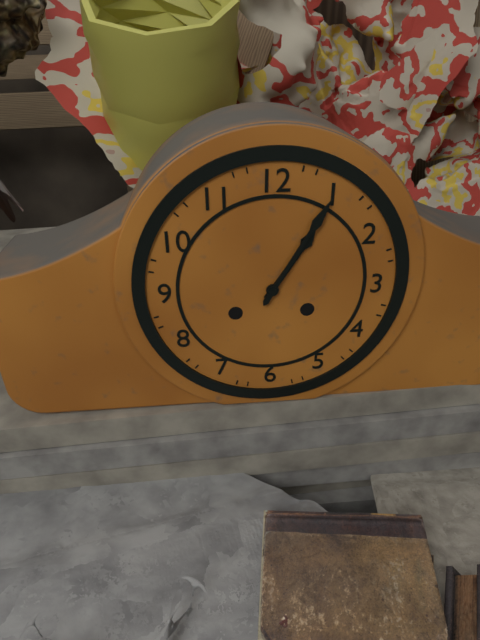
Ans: 1:05
